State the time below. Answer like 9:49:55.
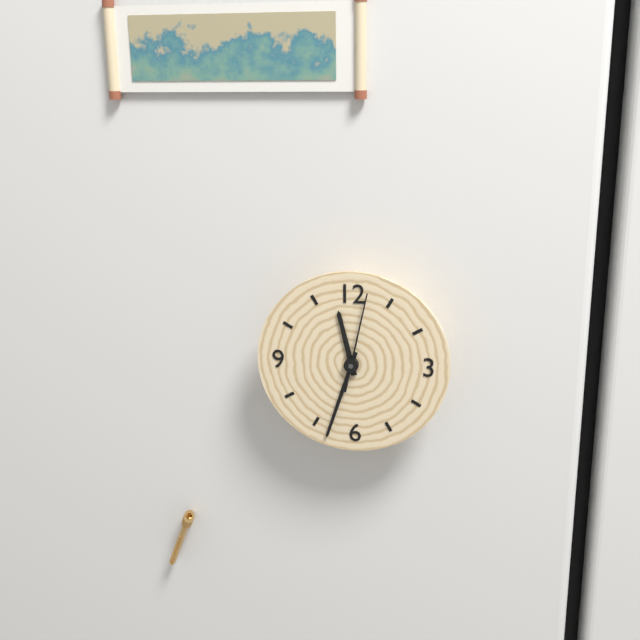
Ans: 11:33:02
